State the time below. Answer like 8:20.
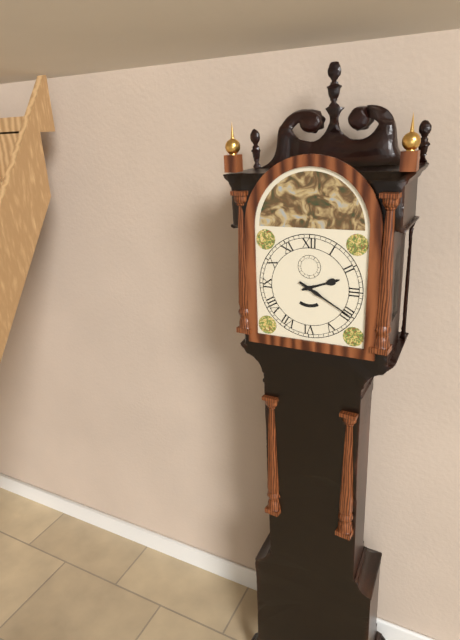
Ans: 2:20
